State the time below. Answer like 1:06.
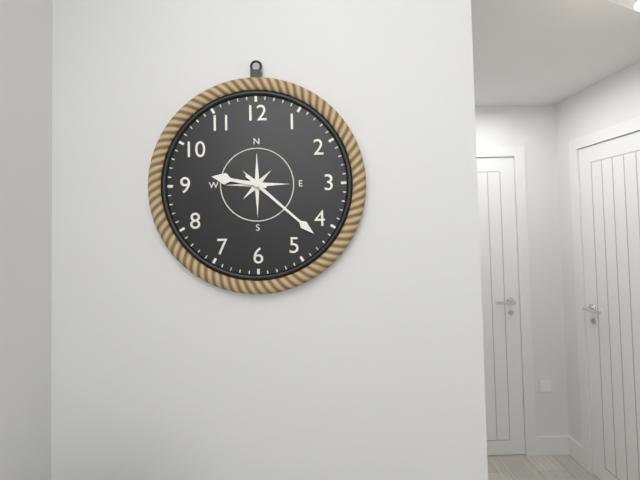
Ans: 9:22
